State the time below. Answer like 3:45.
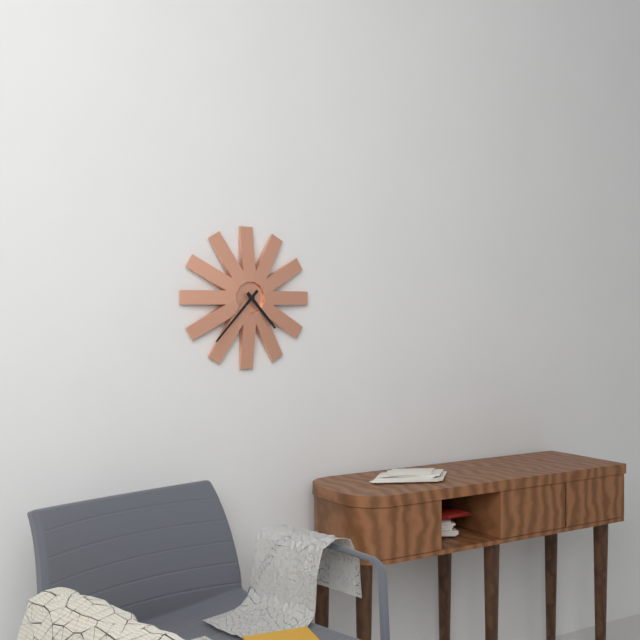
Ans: 4:37
